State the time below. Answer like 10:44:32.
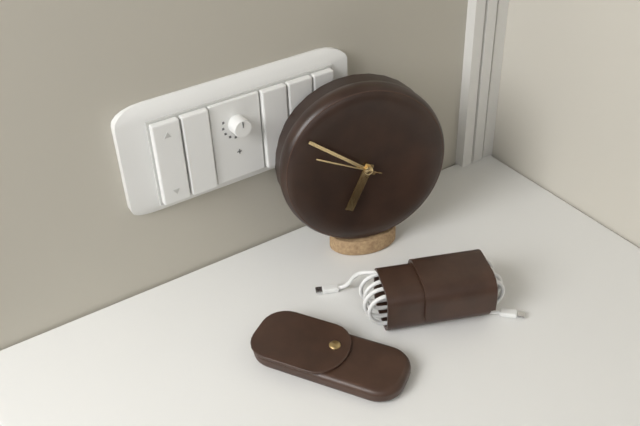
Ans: 6:51:49
